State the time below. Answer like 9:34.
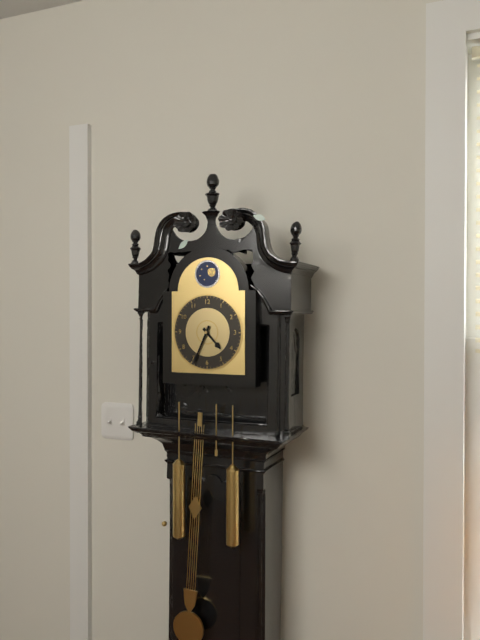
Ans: 4:34
